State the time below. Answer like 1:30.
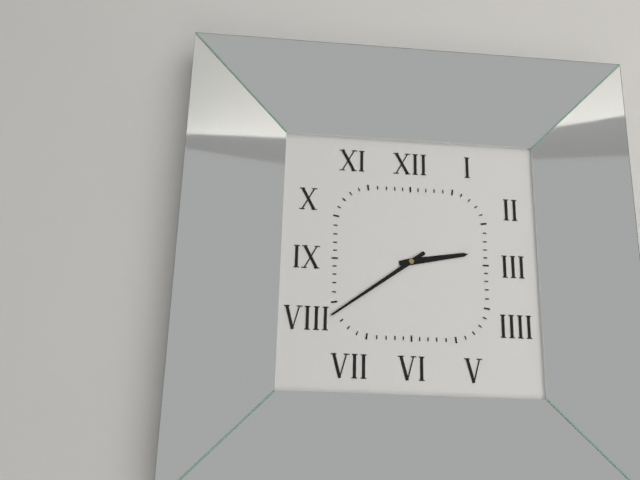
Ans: 2:39
